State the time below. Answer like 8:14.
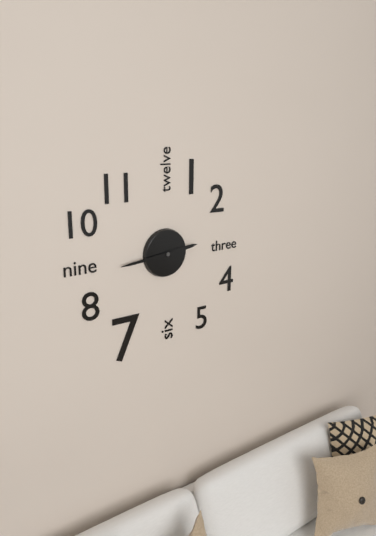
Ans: 2:44
